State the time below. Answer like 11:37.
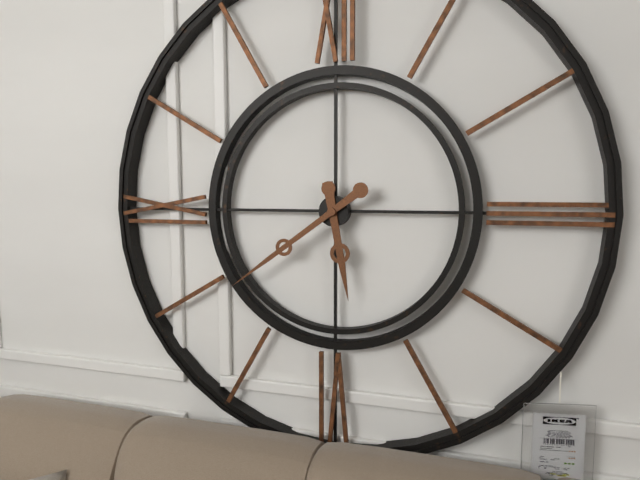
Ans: 5:39
